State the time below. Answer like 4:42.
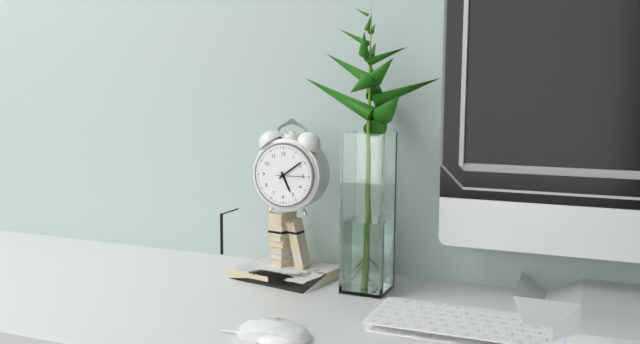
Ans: 5:09
